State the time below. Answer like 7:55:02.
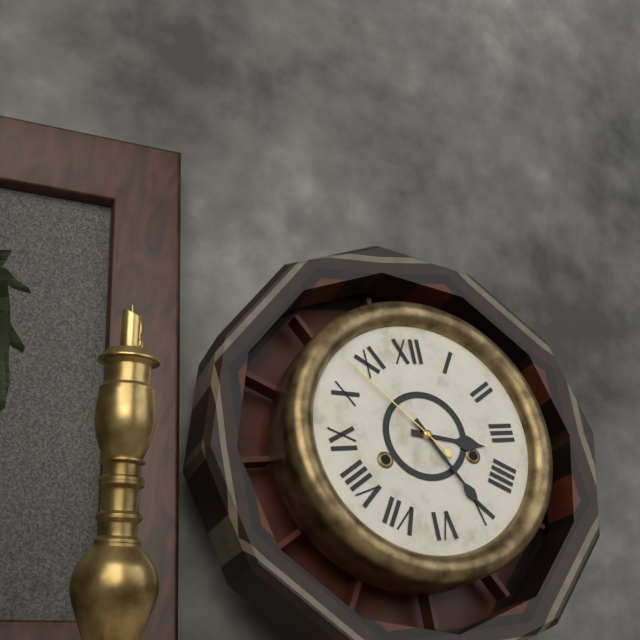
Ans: 3:25:53
